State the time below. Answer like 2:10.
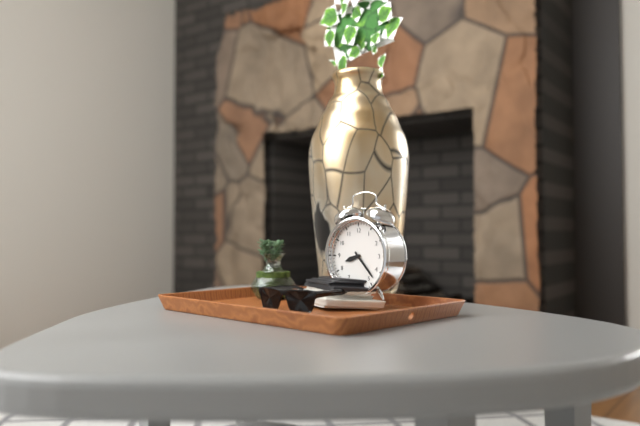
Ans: 8:23
